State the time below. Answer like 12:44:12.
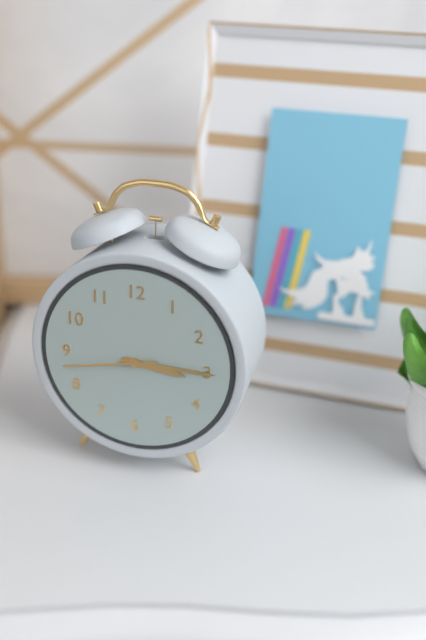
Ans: 3:15:43
